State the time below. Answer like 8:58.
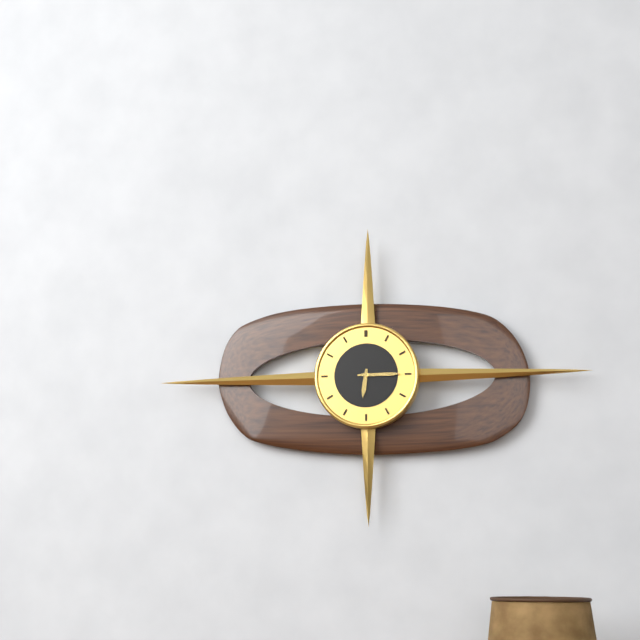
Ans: 6:15
